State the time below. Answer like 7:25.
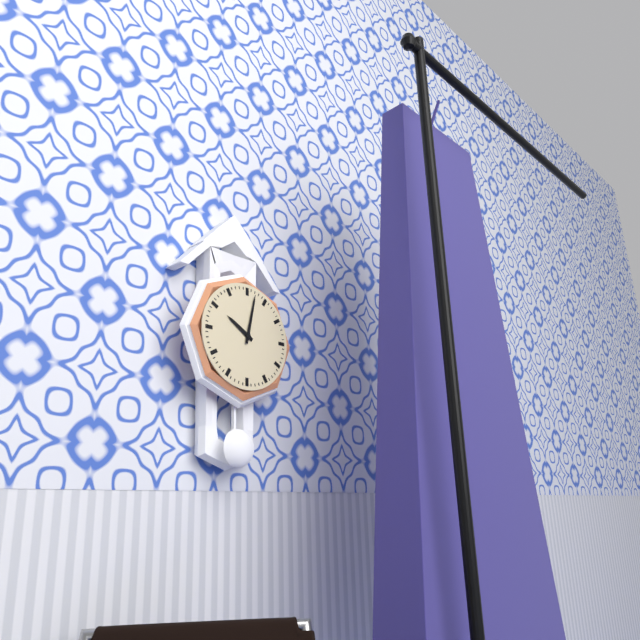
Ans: 10:02
